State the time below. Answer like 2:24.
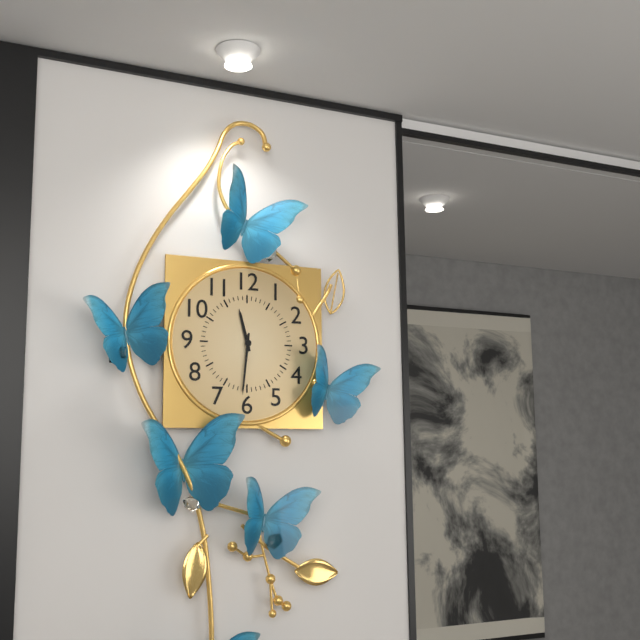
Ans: 11:31
